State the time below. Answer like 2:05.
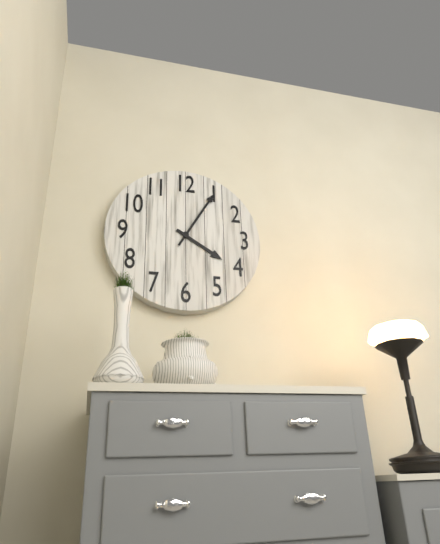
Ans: 4:05
